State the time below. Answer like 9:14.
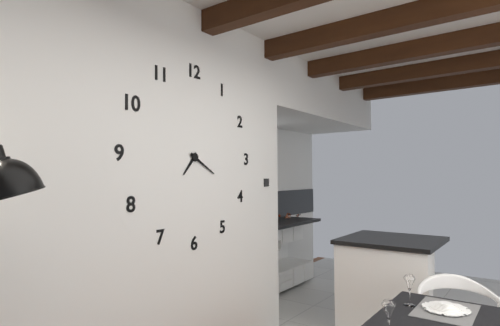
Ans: 7:20
